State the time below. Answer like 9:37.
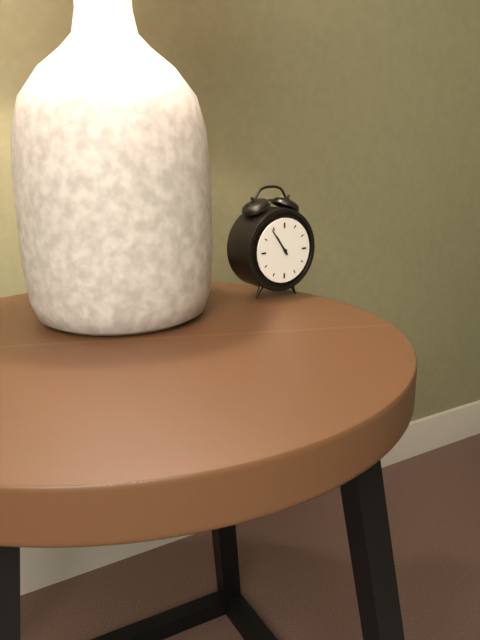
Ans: 10:54
